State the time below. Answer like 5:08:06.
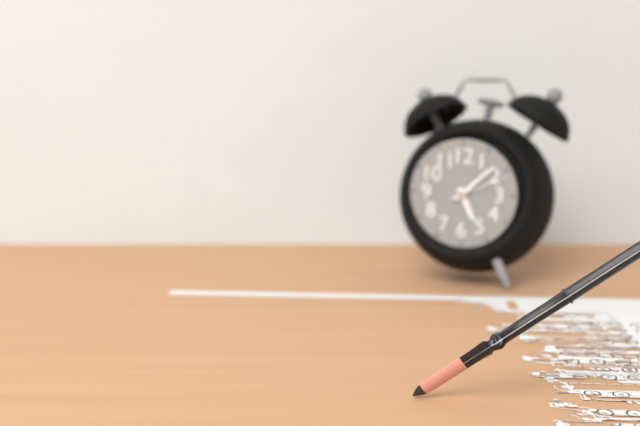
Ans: 5:08:11
